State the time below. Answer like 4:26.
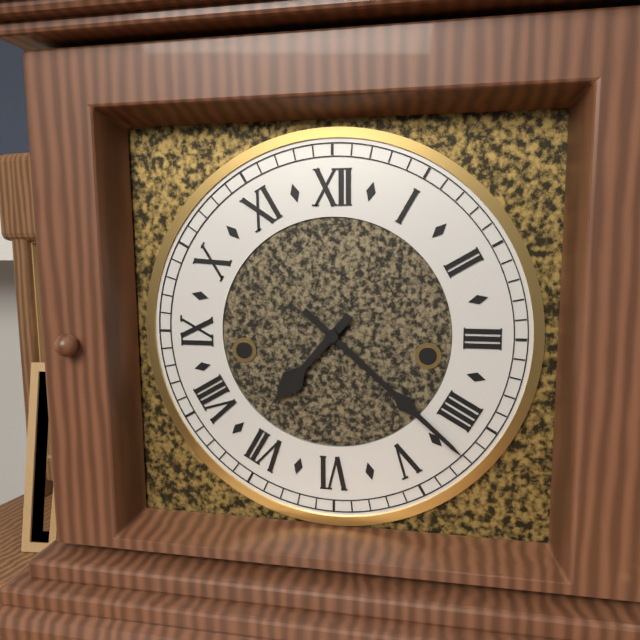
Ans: 7:22
